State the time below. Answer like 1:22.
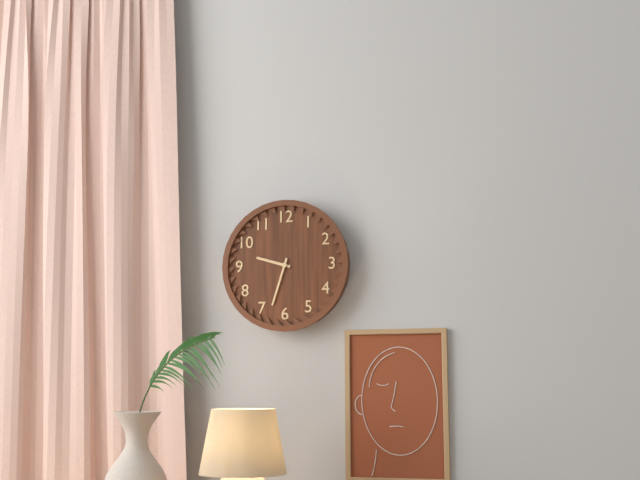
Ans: 9:33
